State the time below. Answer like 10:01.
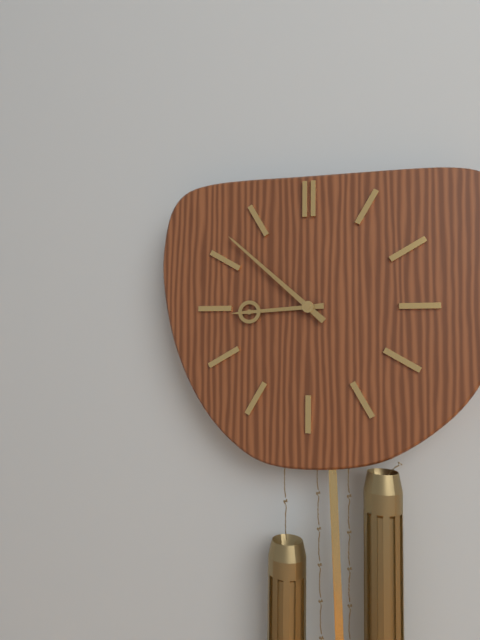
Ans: 8:52
